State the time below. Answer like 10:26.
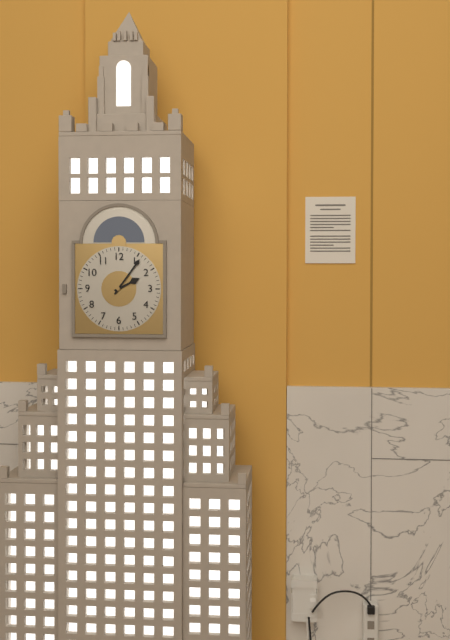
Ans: 2:06
